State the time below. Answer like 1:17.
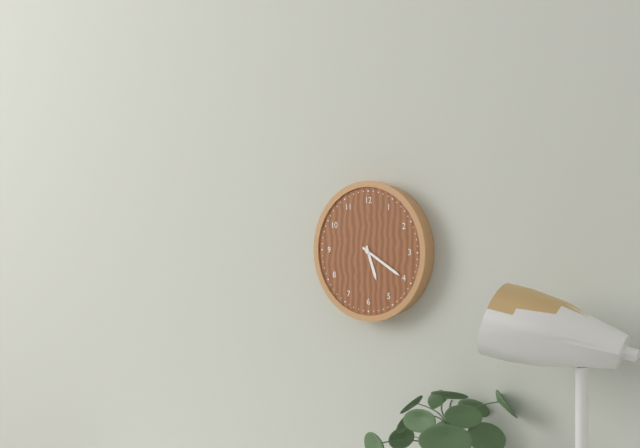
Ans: 5:20
